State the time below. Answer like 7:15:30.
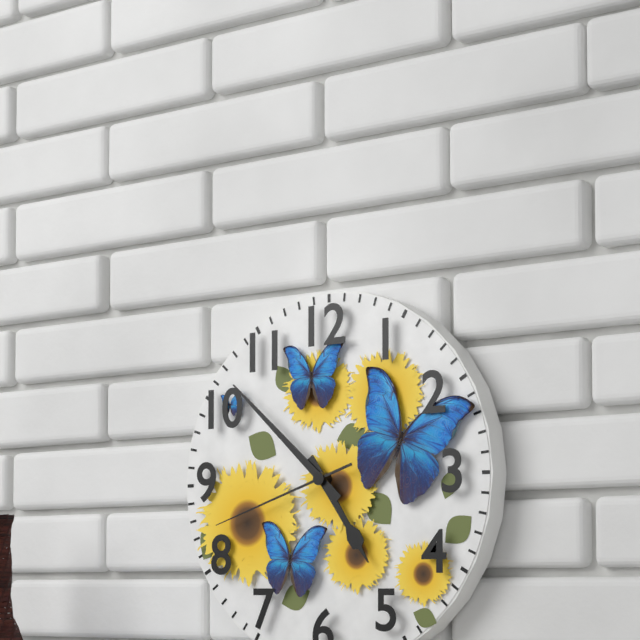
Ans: 4:52:42
